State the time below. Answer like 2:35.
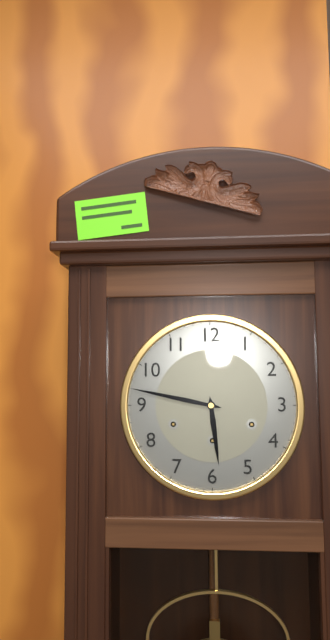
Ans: 5:47
